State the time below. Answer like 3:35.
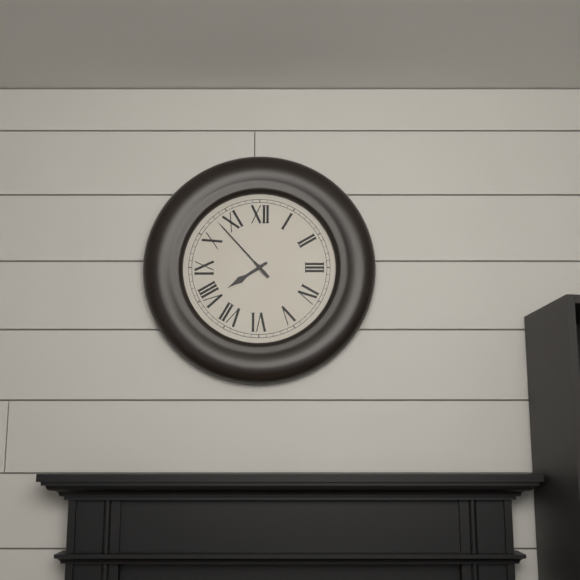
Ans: 7:53
